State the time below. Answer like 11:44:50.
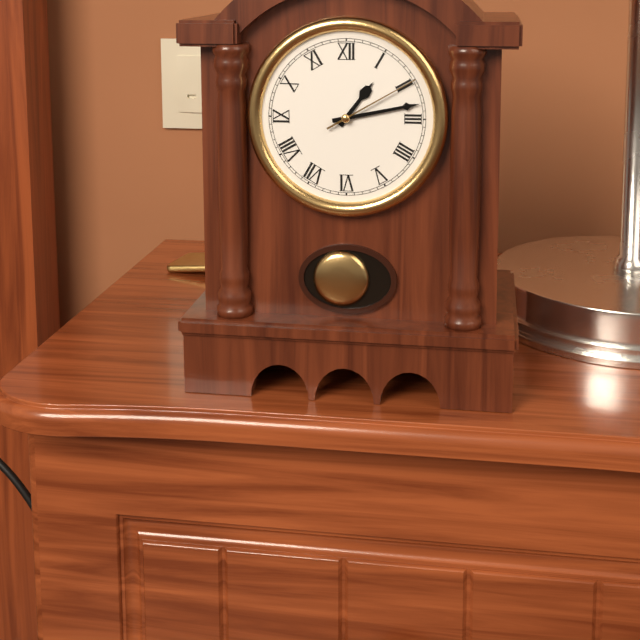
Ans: 1:13:10
